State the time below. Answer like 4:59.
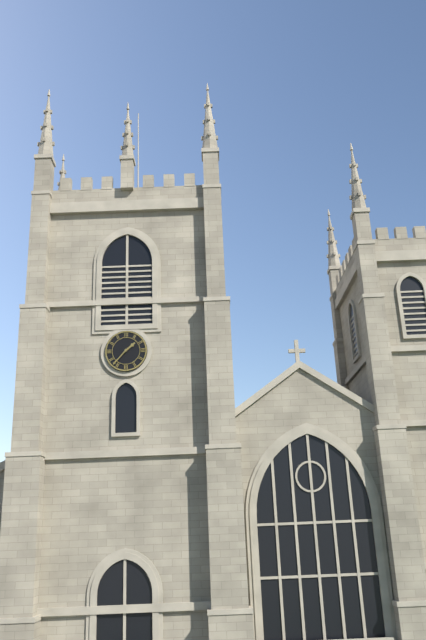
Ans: 1:37
